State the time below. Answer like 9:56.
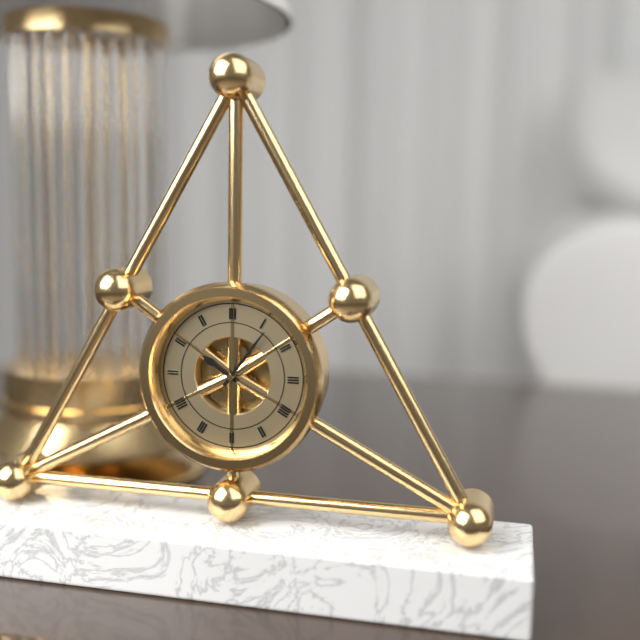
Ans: 10:06
